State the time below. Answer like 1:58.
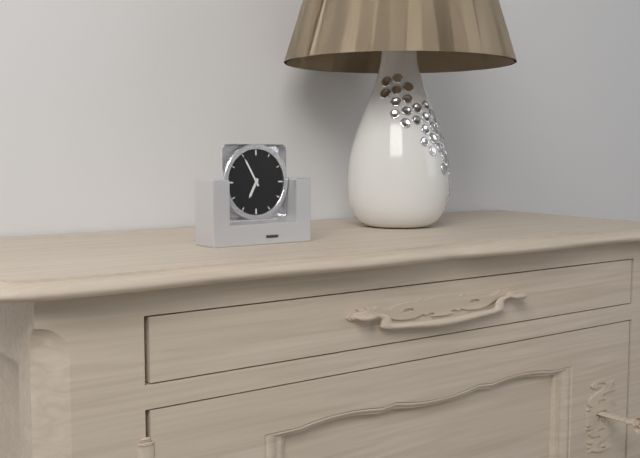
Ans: 6:55
